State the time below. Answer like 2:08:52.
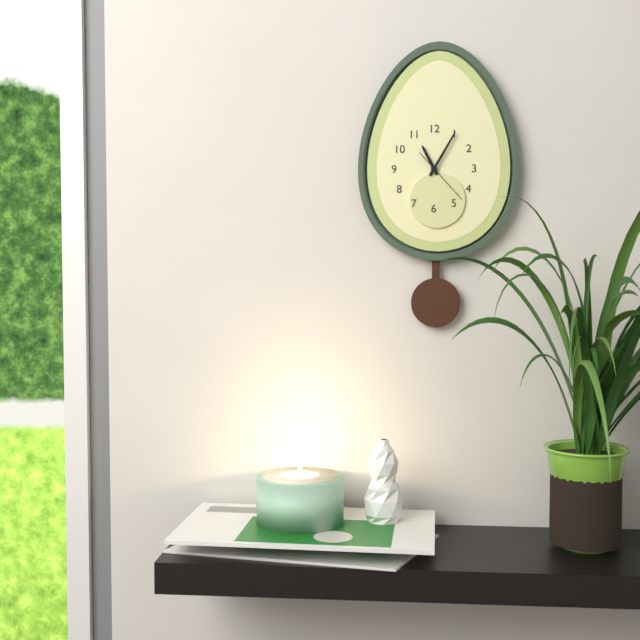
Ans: 11:05:23
